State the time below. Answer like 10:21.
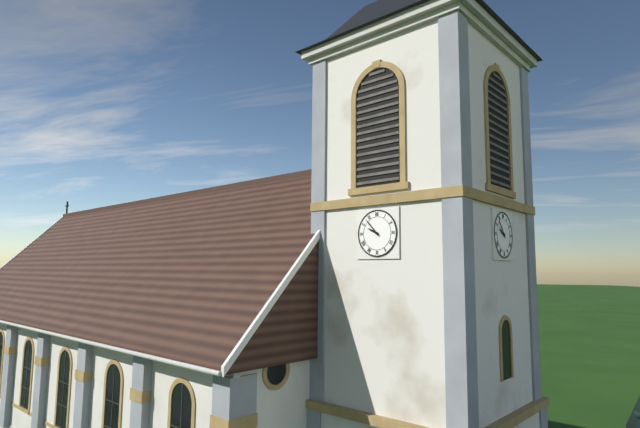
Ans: 9:53
